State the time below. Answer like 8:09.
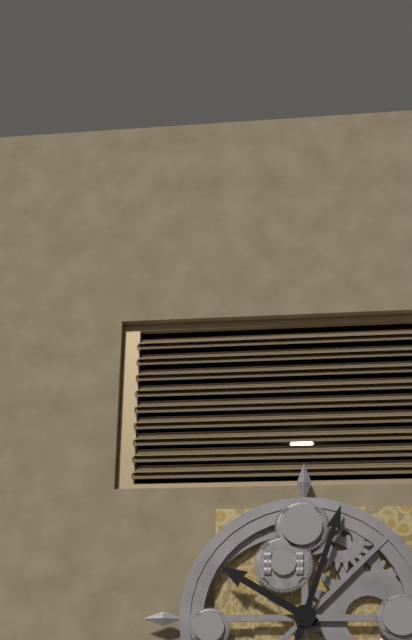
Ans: 10:03
